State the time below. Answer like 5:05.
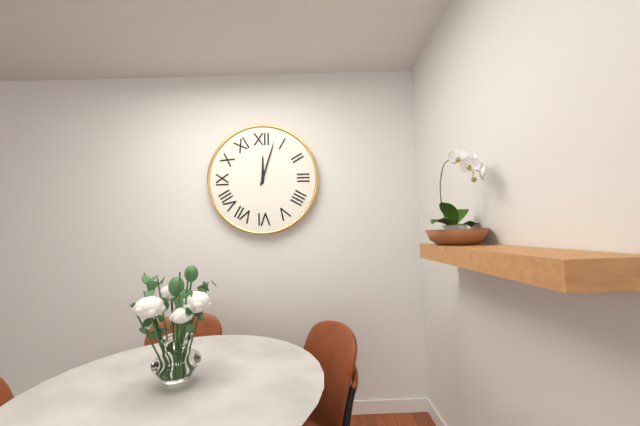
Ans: 12:03
